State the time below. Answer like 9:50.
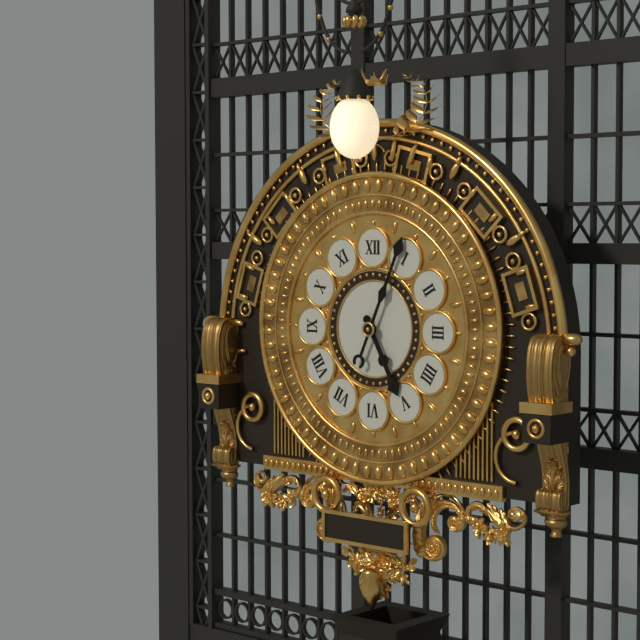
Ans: 5:04
